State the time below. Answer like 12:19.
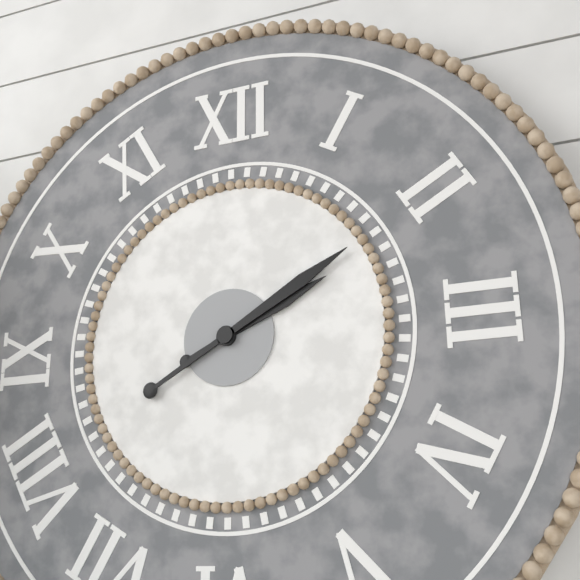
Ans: 2:10
